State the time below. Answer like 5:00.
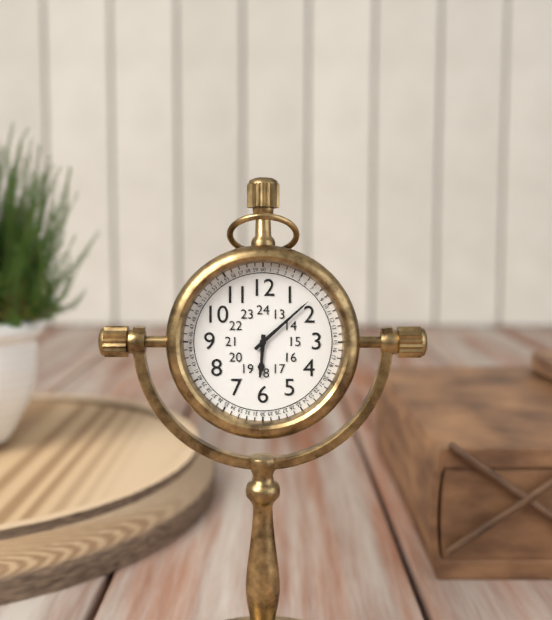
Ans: 6:08
